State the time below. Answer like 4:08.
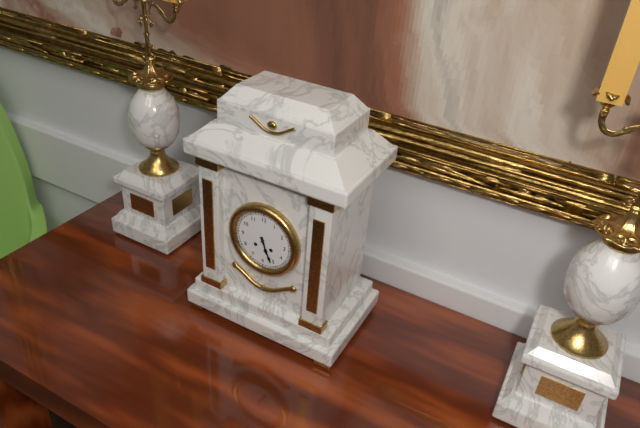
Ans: 5:26
